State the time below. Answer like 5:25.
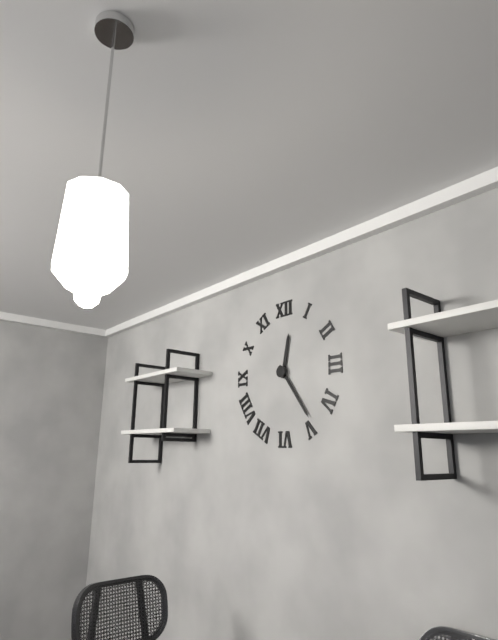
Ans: 12:24
